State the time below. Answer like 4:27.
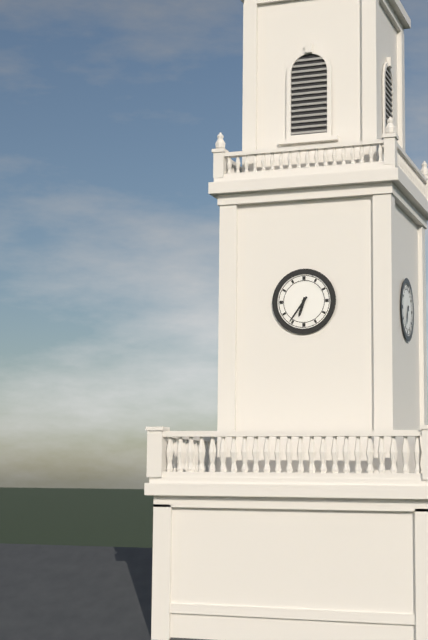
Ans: 6:36
